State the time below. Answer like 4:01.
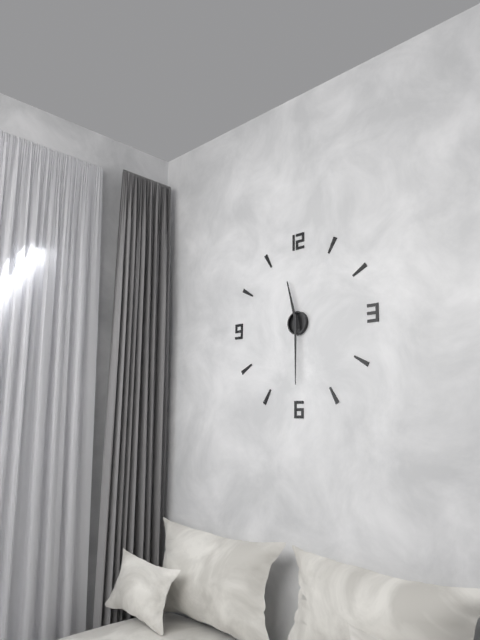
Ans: 11:30
